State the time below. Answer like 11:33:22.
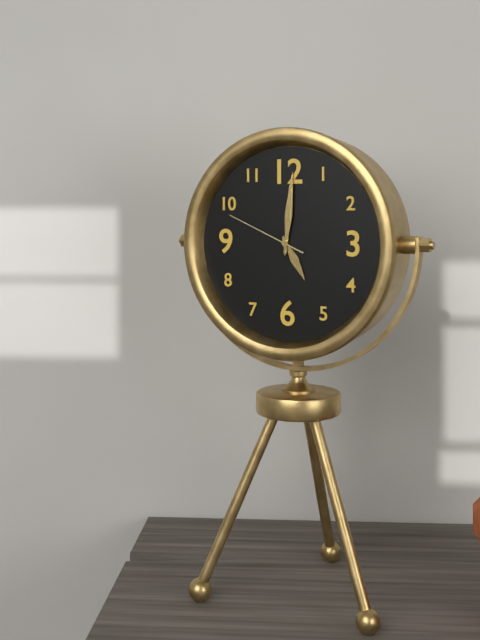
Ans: 5:01:49
